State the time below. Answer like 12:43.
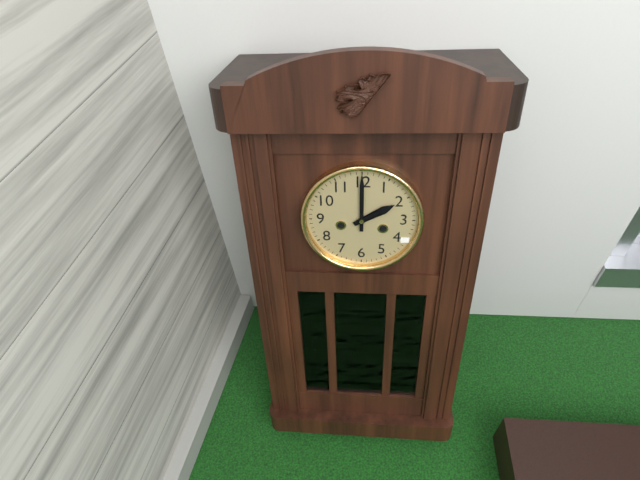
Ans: 2:00
